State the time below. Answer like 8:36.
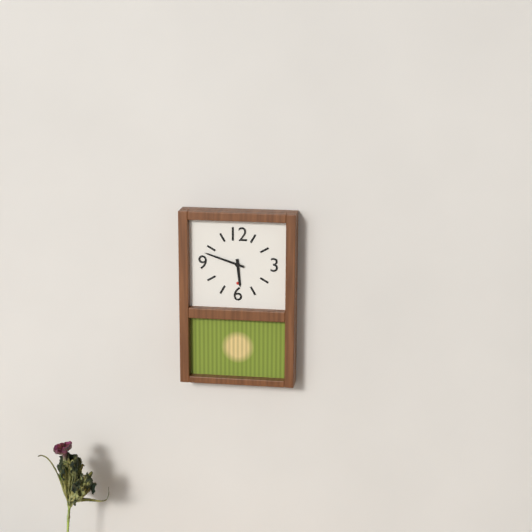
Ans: 5:48
